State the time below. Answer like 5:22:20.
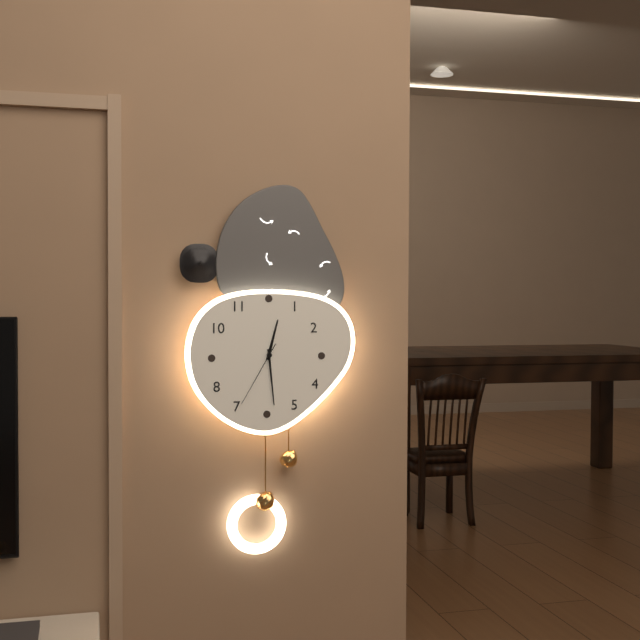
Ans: 12:29:35
